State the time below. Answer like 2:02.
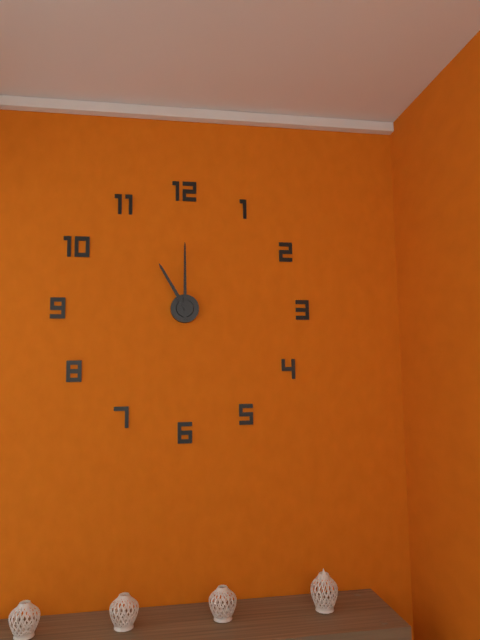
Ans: 11:00
